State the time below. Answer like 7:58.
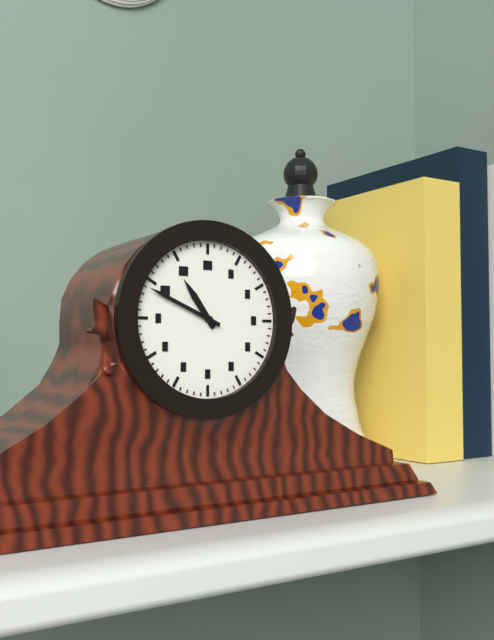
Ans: 10:49
